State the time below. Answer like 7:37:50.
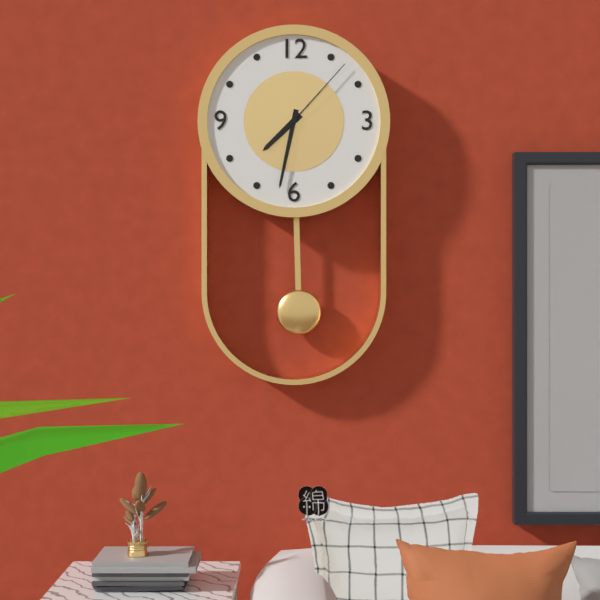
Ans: 7:32:07
